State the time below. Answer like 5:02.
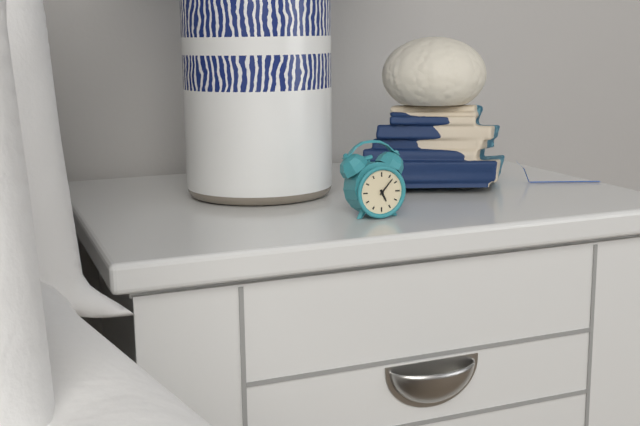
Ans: 5:07
